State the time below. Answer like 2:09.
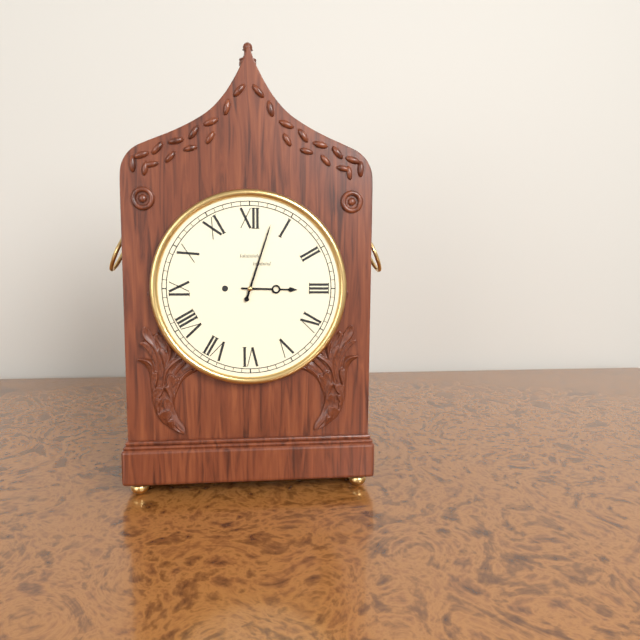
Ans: 3:03
